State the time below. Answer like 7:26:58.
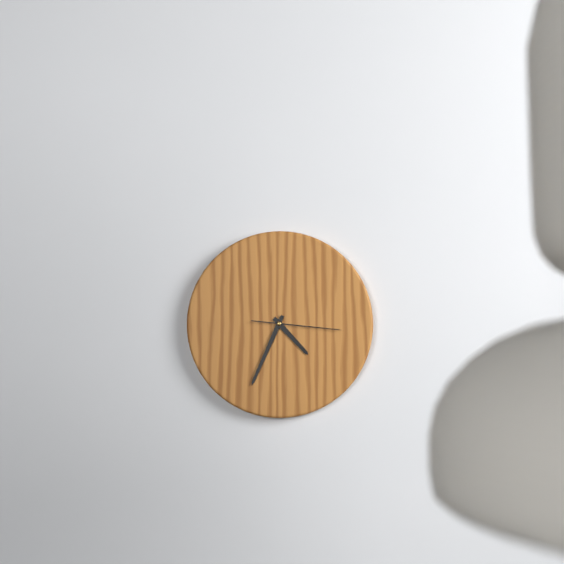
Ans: 4:34:16
